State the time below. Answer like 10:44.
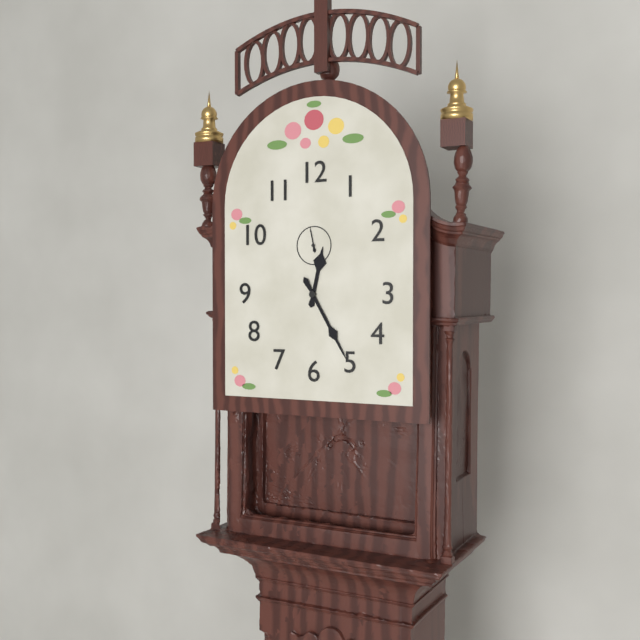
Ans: 12:25
